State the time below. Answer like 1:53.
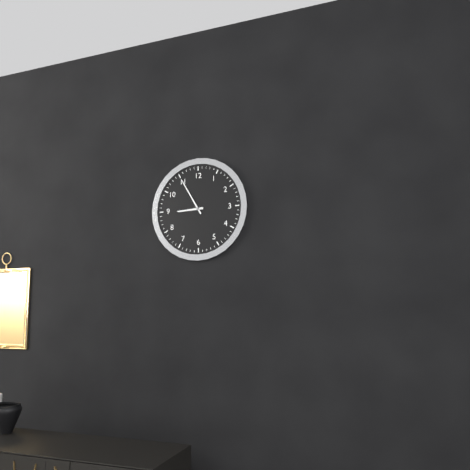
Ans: 8:55
